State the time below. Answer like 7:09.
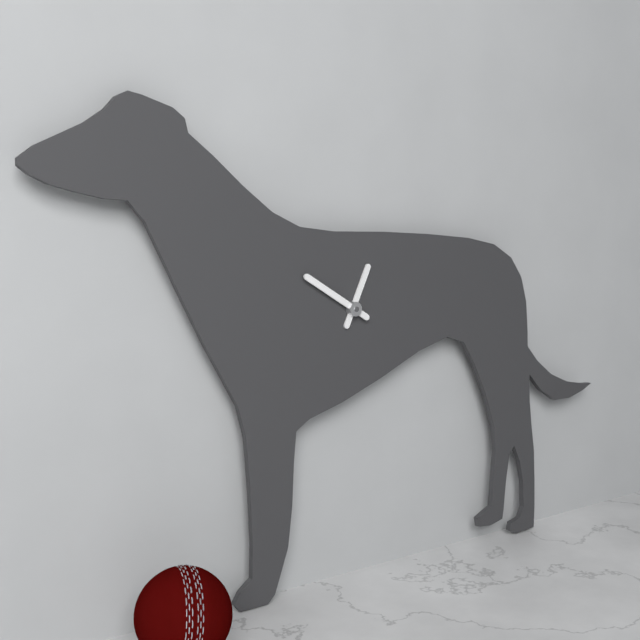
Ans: 12:50
